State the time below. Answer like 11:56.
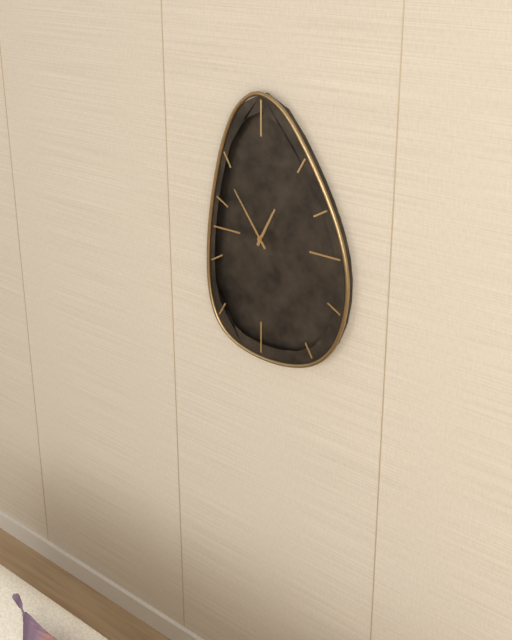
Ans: 12:54
